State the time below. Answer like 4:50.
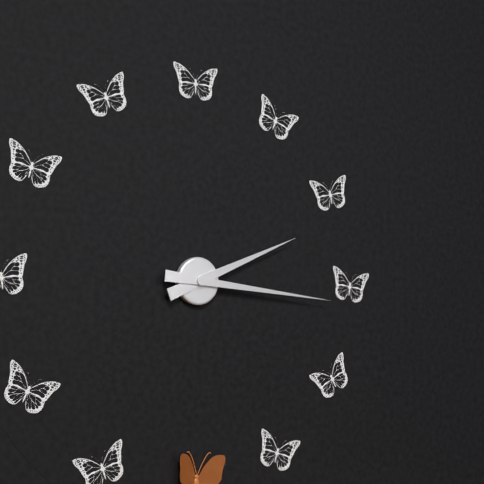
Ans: 2:16
